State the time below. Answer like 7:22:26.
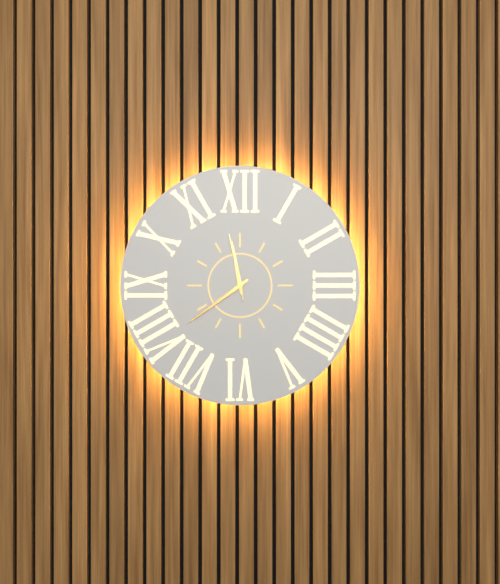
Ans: 11:39:58
